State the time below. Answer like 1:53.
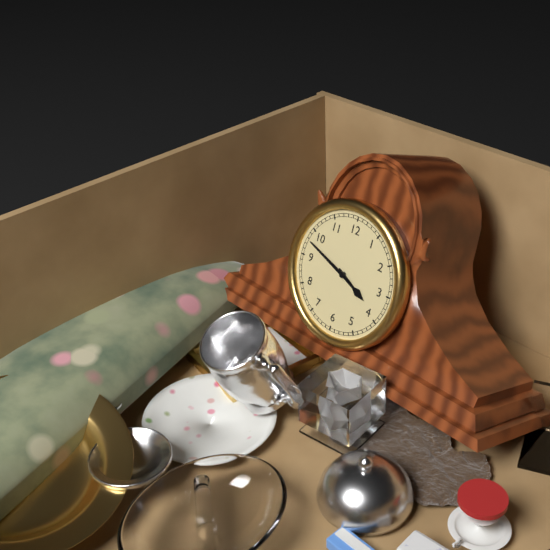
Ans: 3:48
